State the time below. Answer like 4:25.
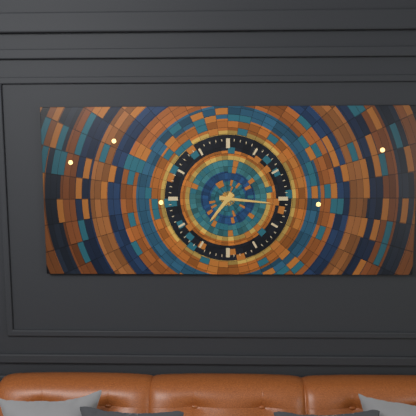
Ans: 7:16
